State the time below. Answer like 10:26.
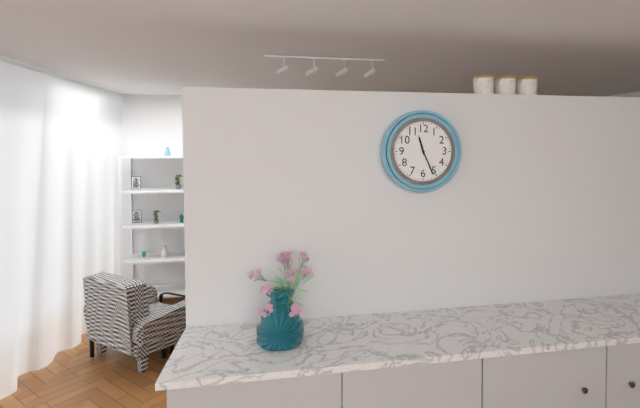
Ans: 11:26
